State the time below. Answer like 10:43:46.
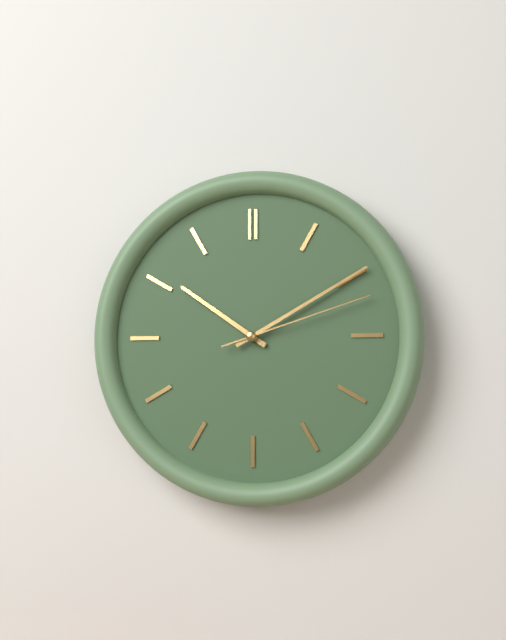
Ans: 10:10:12
